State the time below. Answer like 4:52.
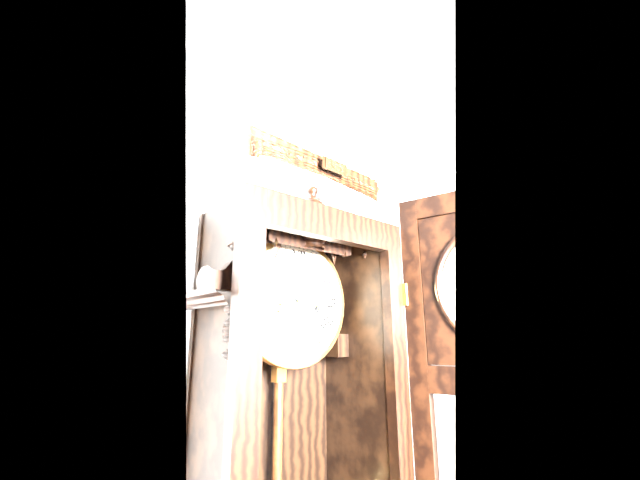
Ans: 2:49
